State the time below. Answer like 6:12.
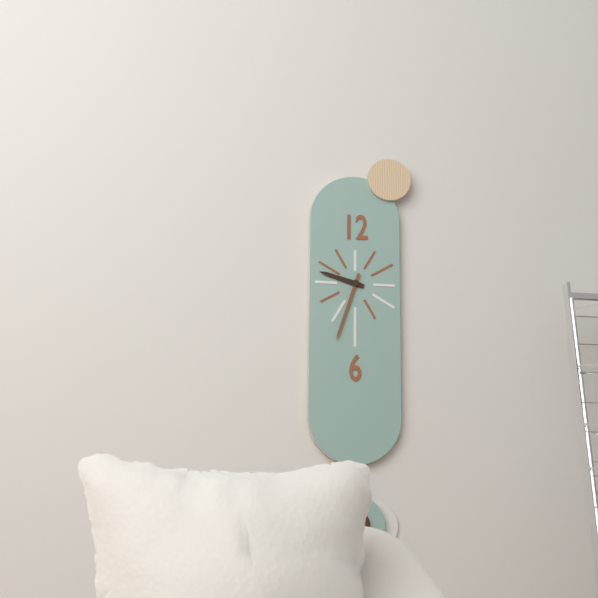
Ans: 9:33
